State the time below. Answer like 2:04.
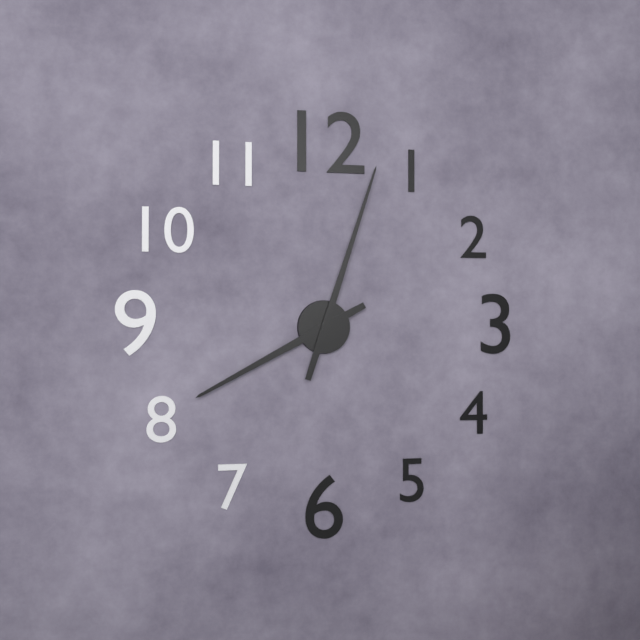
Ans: 8:03
